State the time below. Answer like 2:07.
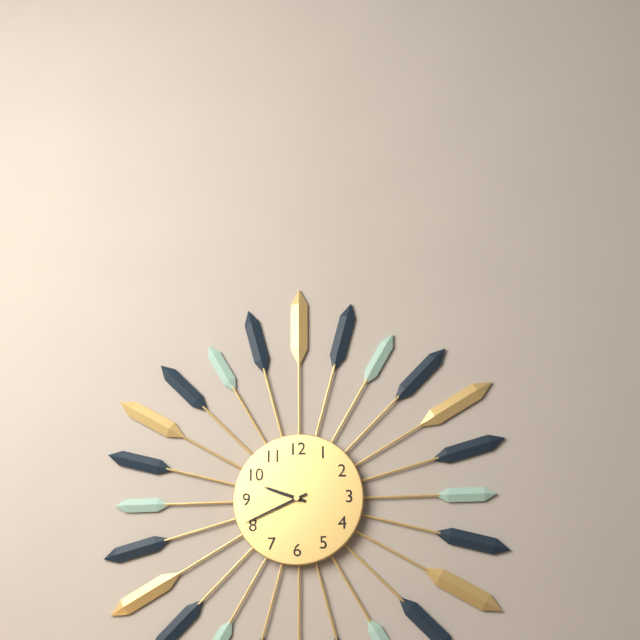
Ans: 9:41
